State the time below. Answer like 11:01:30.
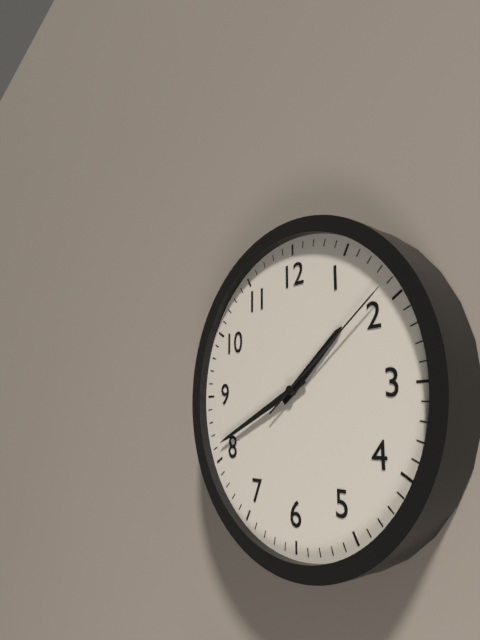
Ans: 1:41:09
